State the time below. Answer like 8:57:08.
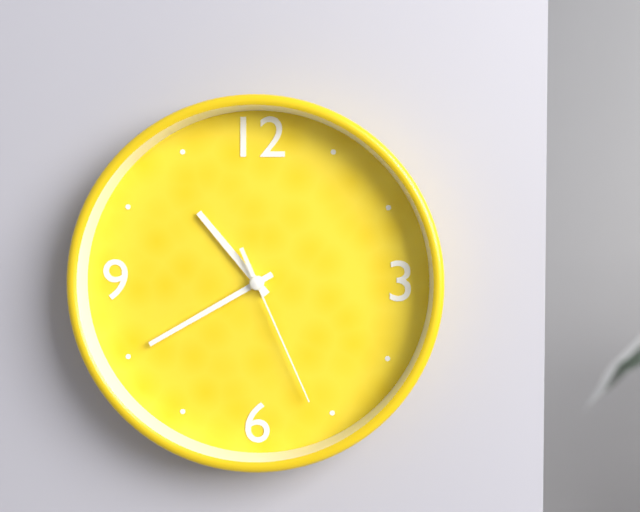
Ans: 10:40:26
